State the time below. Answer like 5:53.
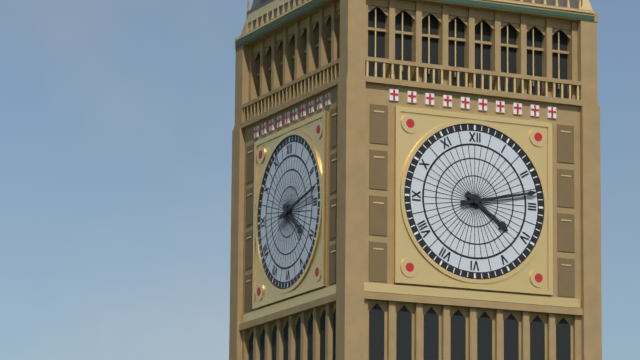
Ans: 4:13
